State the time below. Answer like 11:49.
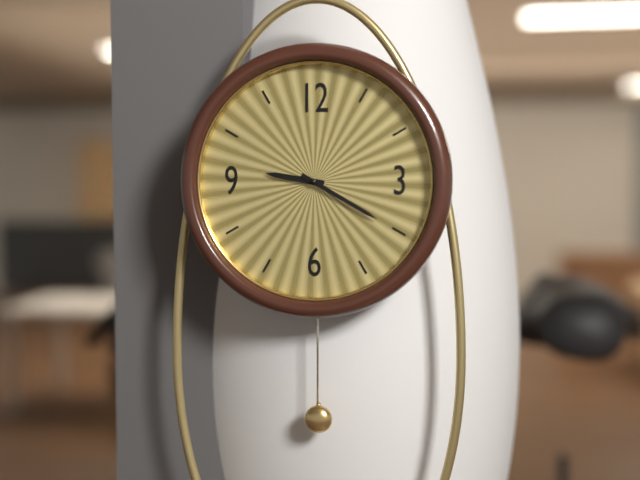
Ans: 9:20
